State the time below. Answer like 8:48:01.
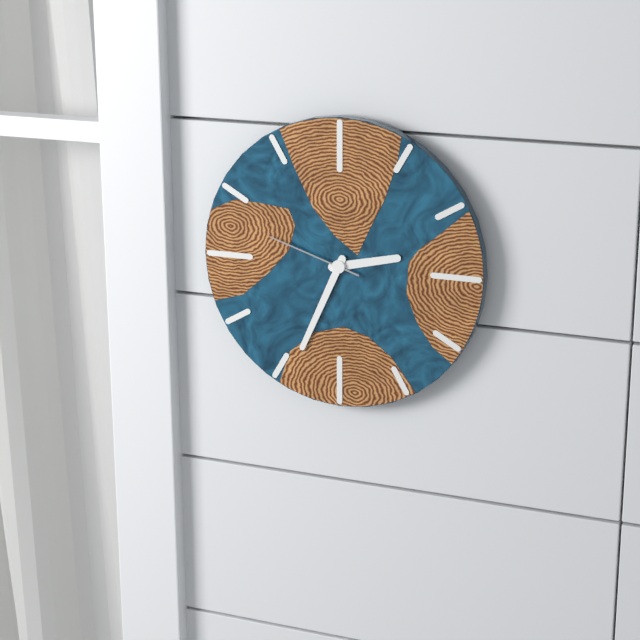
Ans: 2:34:48
